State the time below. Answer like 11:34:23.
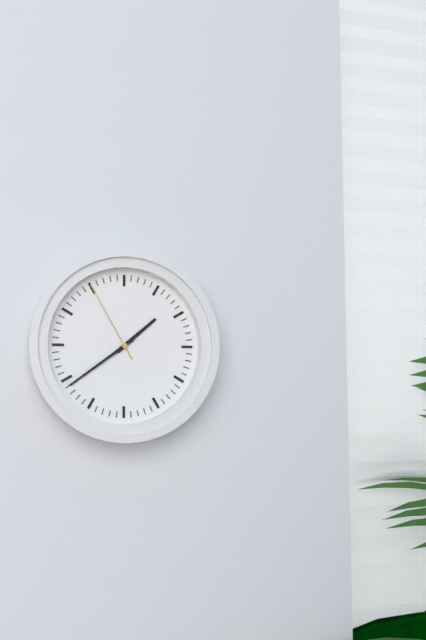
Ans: 1:39:55
